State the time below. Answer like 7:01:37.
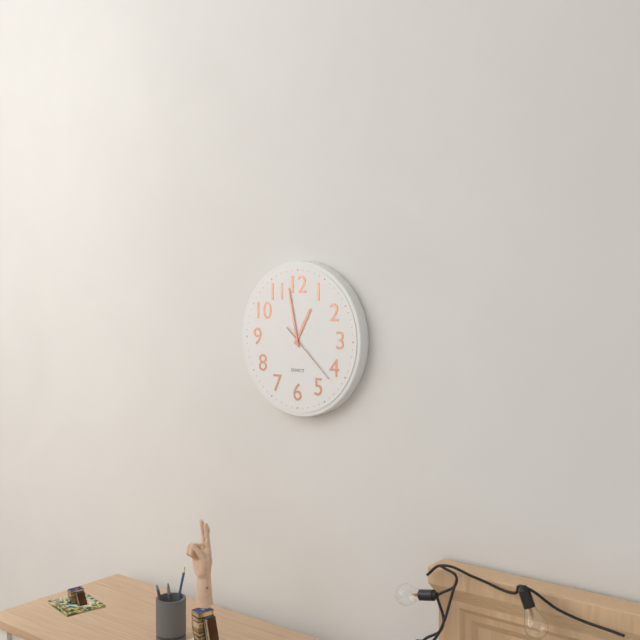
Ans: 12:58:22
